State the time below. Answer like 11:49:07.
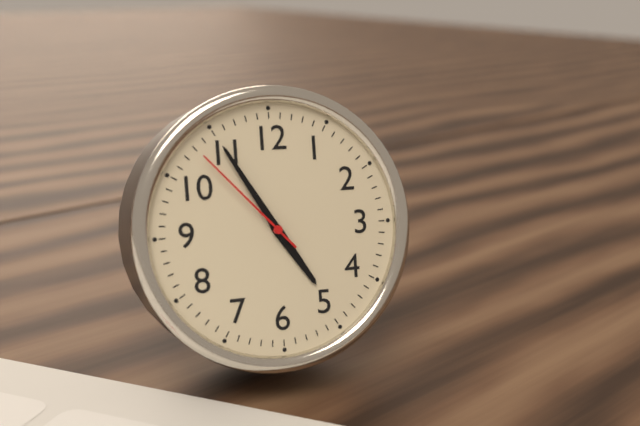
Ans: 4:55:53
